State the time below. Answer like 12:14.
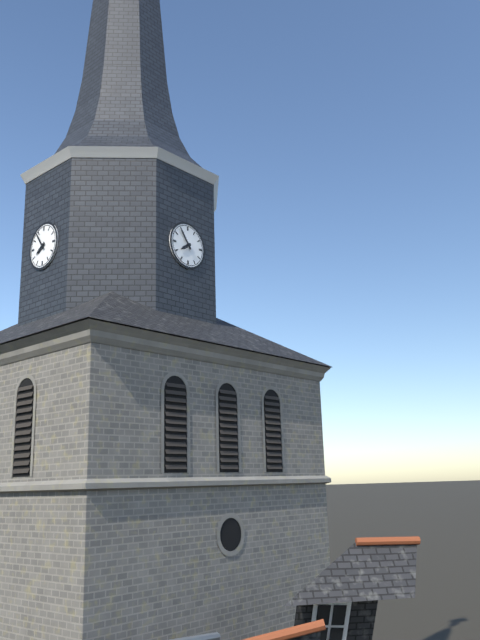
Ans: 7:54
